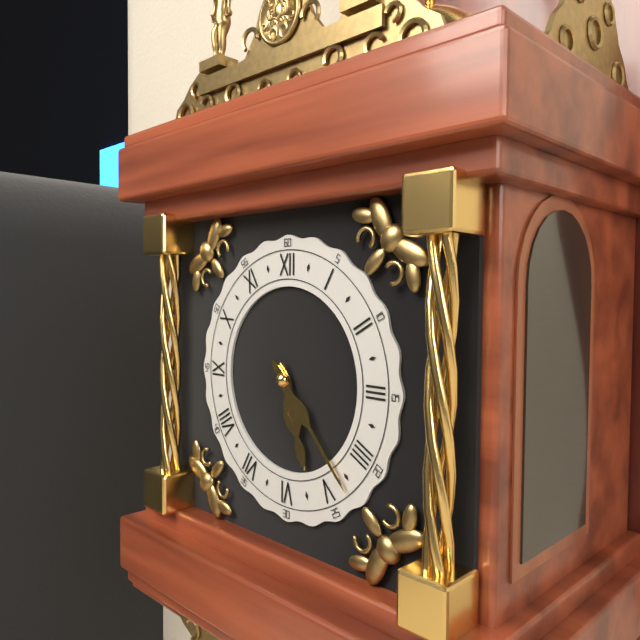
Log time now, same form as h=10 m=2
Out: h=5 m=23
